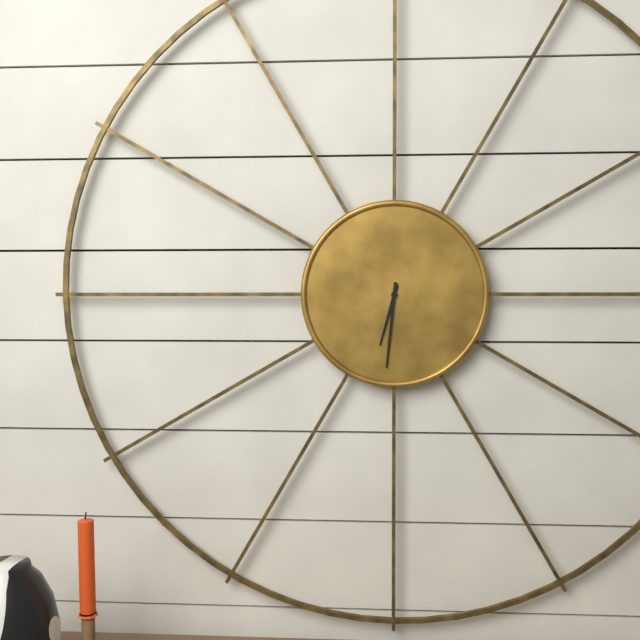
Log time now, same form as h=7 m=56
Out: h=6 m=31
